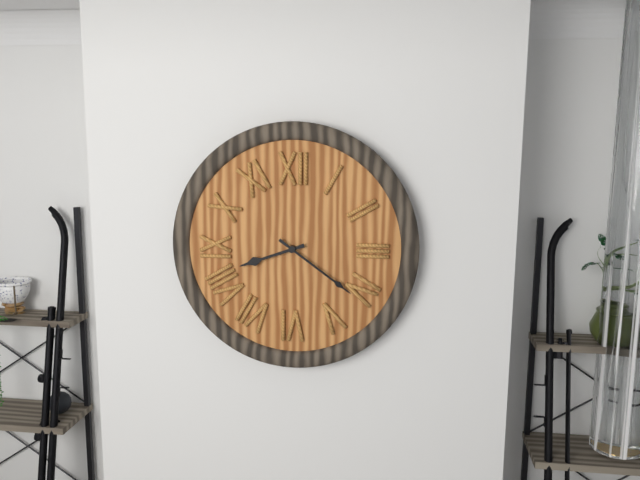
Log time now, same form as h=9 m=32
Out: h=8 m=21
